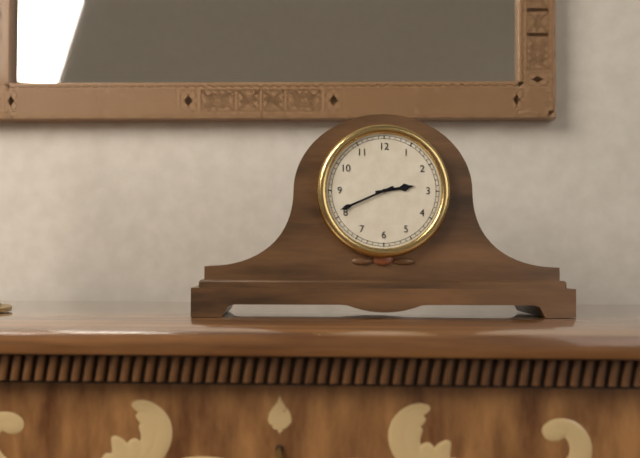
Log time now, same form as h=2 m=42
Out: h=2 m=41
